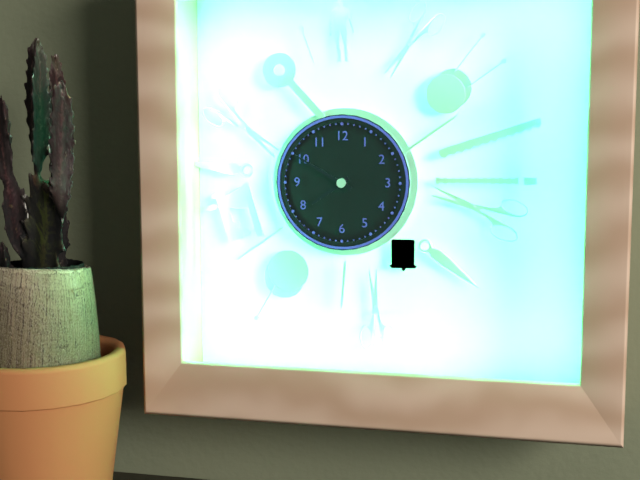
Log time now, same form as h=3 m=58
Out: h=7 m=50
